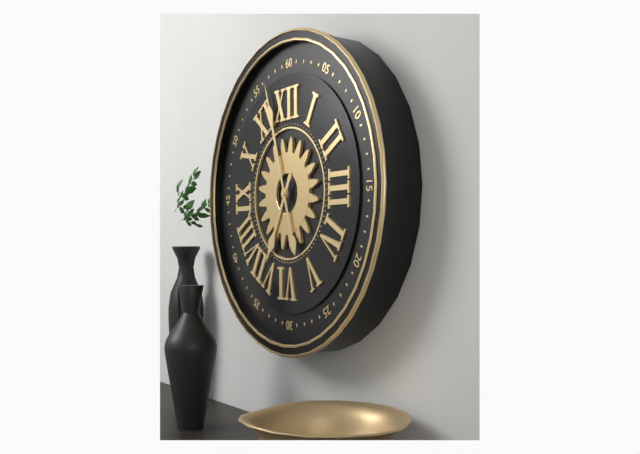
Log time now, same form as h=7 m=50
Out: h=6 m=57
